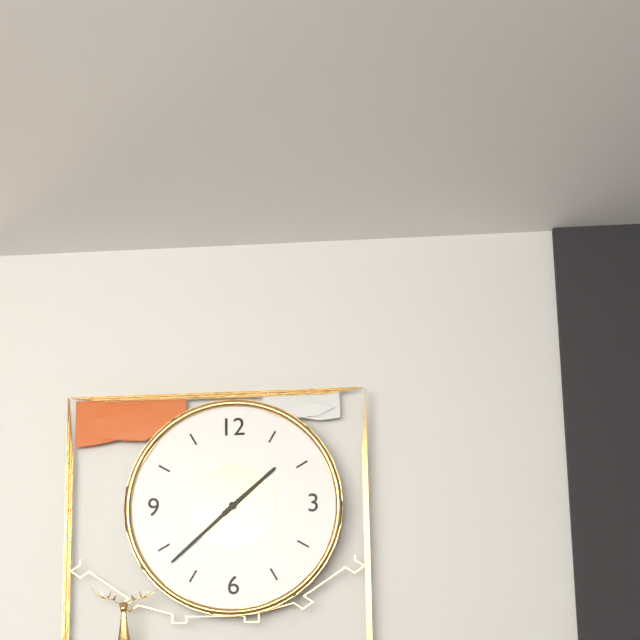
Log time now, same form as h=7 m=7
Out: h=1 m=38
